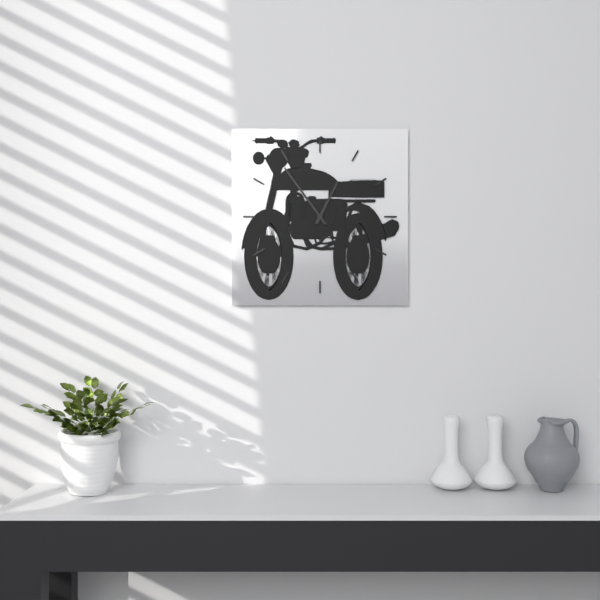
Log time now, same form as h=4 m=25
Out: h=12 m=54
